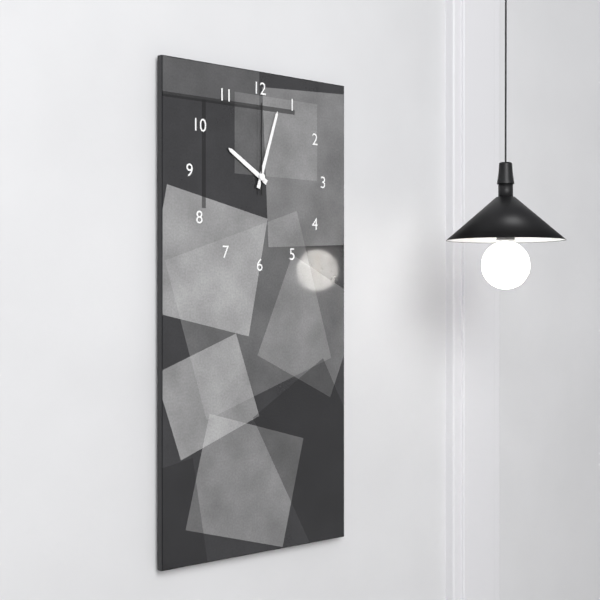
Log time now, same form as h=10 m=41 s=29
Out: h=10 m=3 s=0
